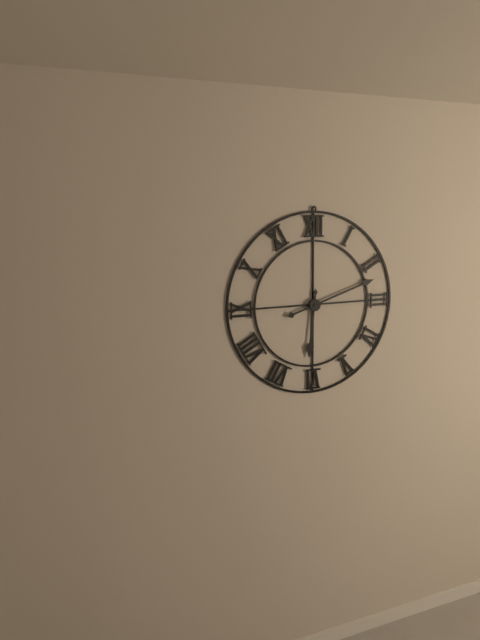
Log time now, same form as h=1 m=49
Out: h=6 m=12
